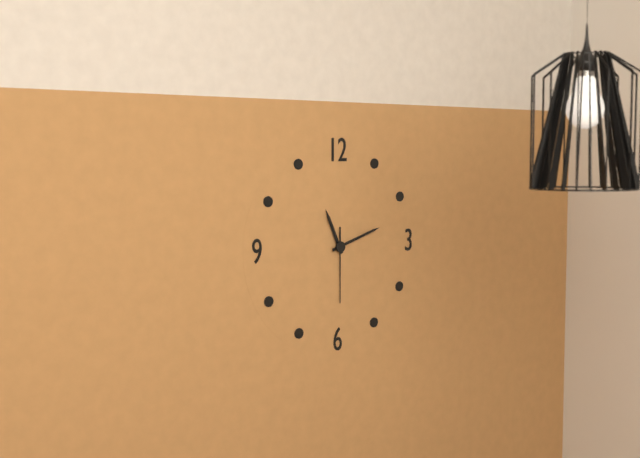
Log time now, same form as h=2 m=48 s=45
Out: h=11 m=12 s=30
